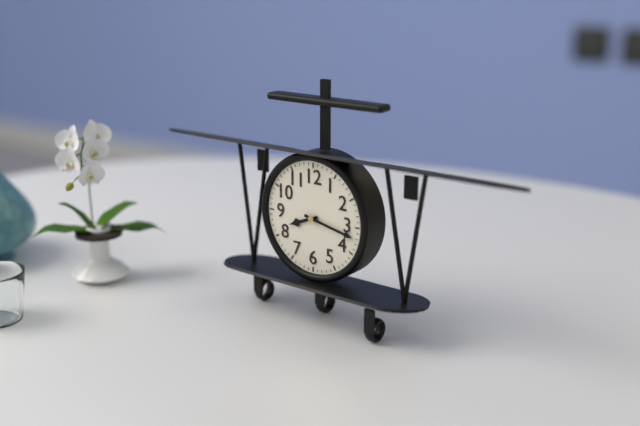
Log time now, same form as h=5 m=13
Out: h=8 m=17
